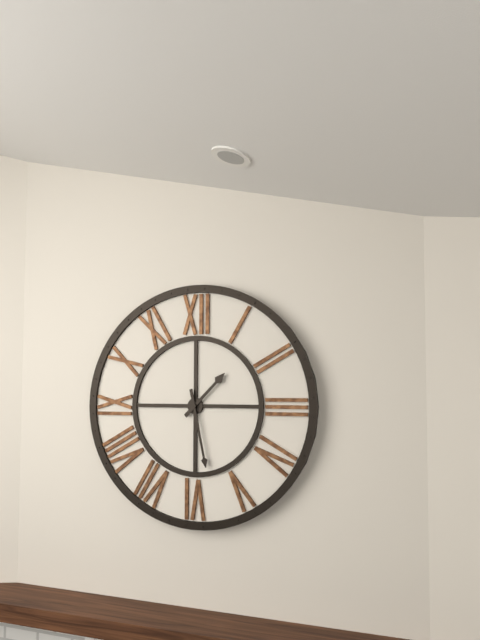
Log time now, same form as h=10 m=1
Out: h=1 m=28
